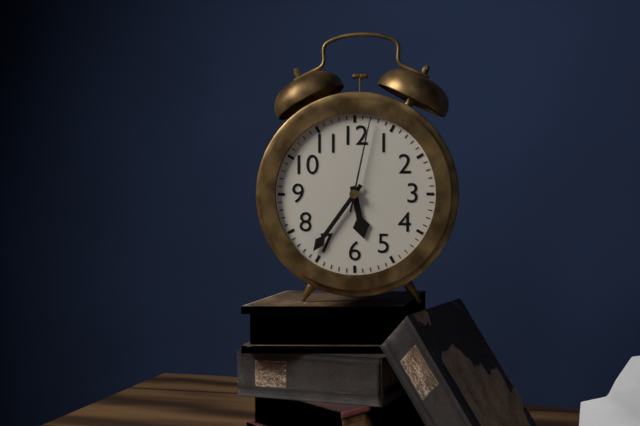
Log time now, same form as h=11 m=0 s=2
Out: h=5 m=36 s=2
